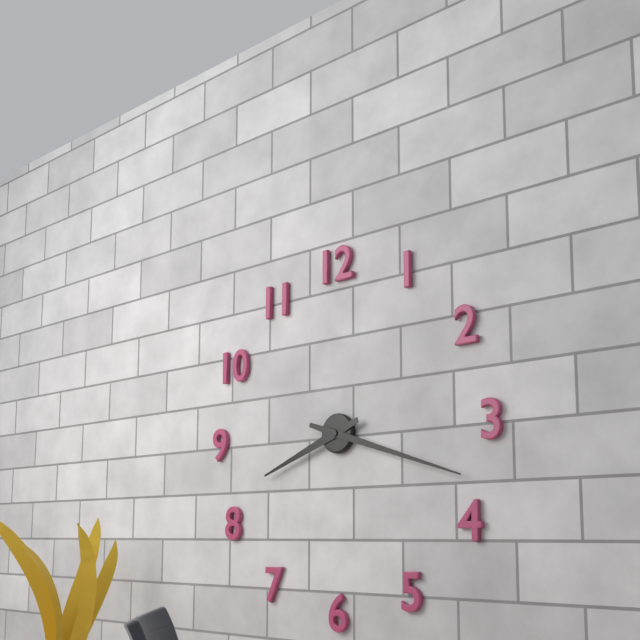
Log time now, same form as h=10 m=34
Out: h=8 m=18
